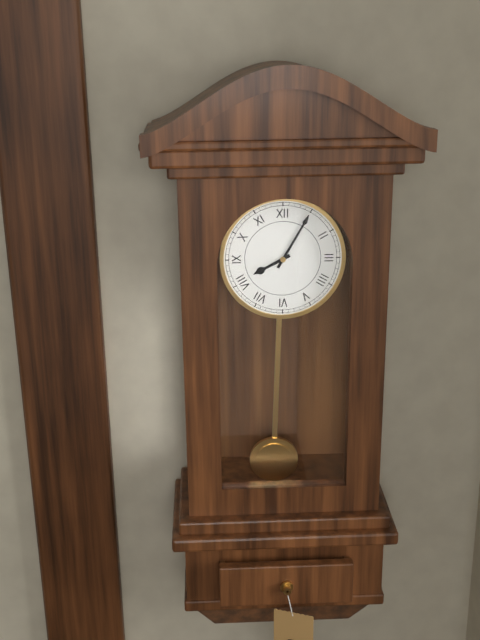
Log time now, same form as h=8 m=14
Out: h=8 m=5
